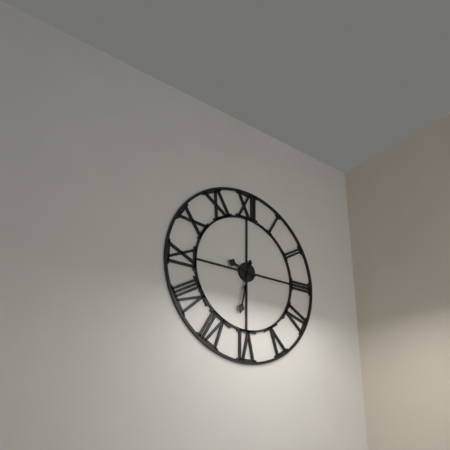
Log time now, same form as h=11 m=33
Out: h=9 m=32
